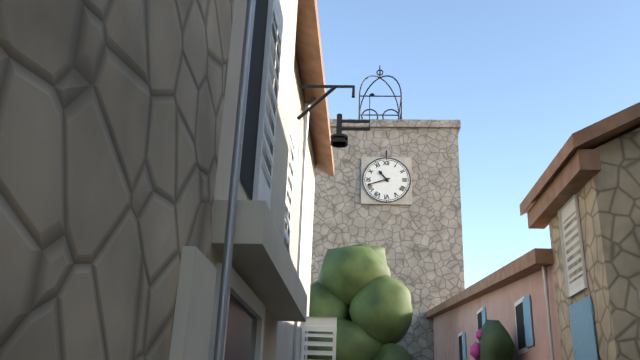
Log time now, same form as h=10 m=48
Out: h=10 m=42
